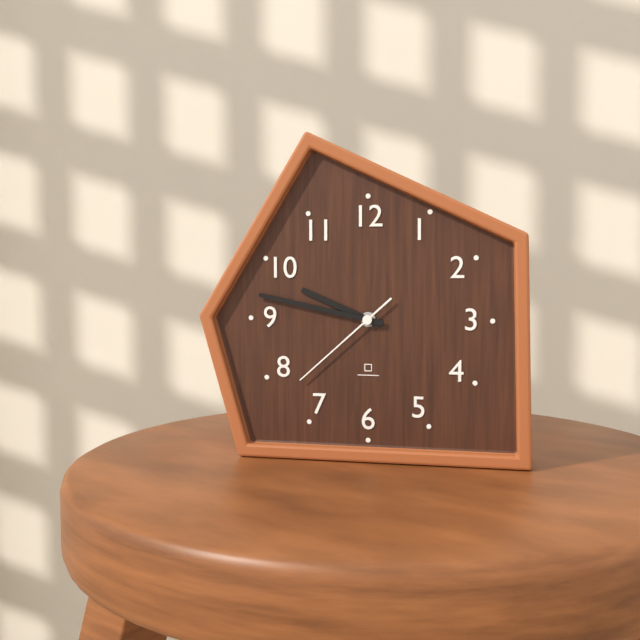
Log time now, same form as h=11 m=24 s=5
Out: h=9 m=47 s=38
